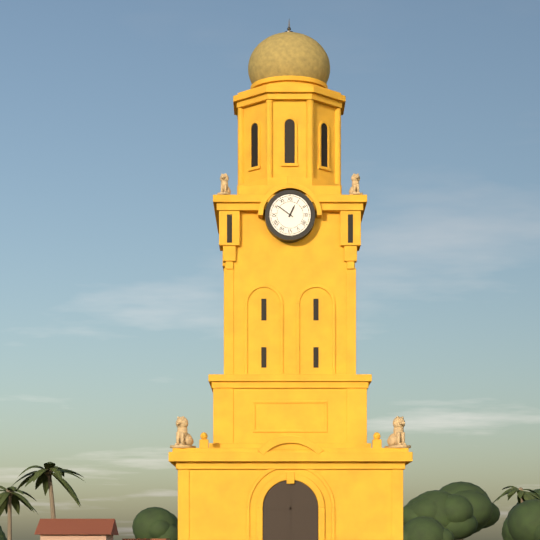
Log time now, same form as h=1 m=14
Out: h=12 m=51
